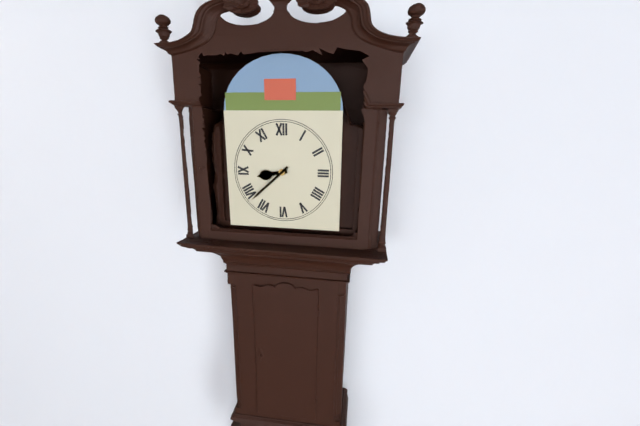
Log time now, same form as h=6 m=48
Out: h=8 m=38
